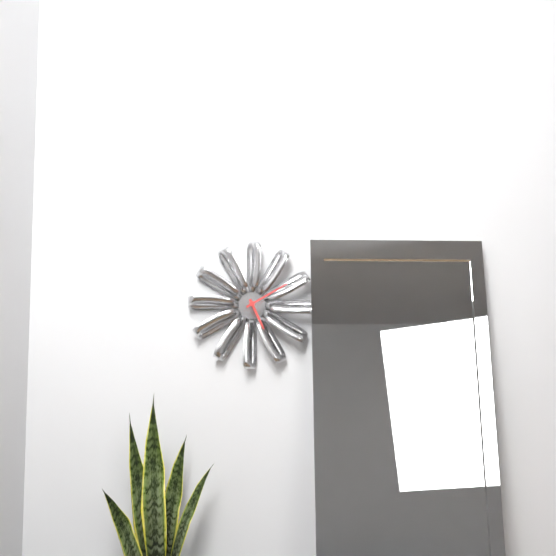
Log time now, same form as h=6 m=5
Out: h=5 m=10
